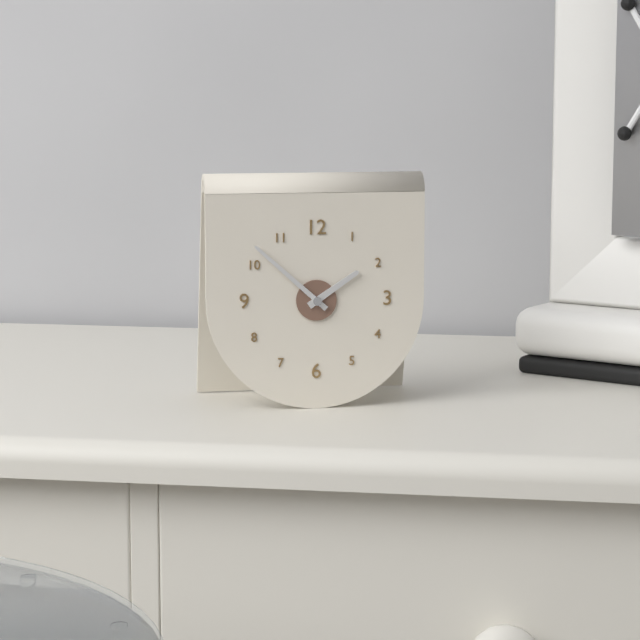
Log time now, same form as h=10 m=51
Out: h=1 m=52
